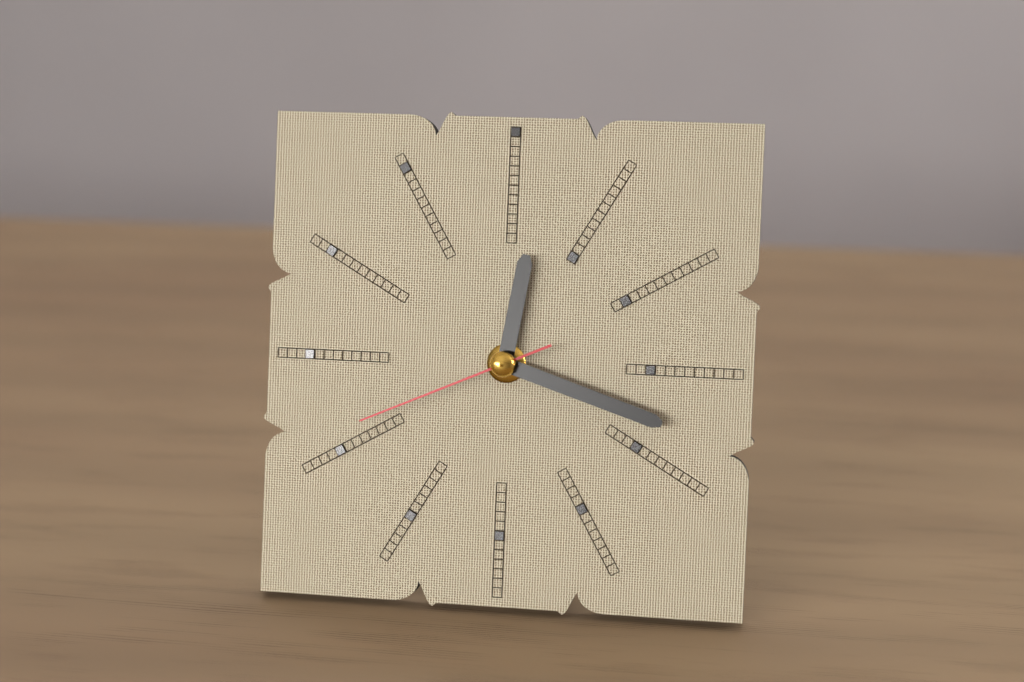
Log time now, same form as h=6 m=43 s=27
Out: h=12 m=18 s=41
